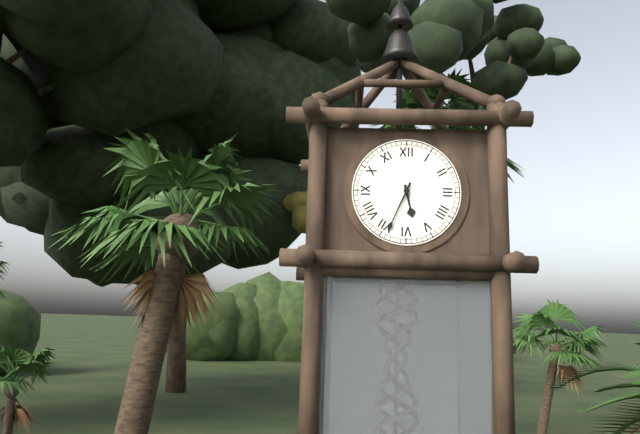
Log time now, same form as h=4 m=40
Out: h=5 m=34
